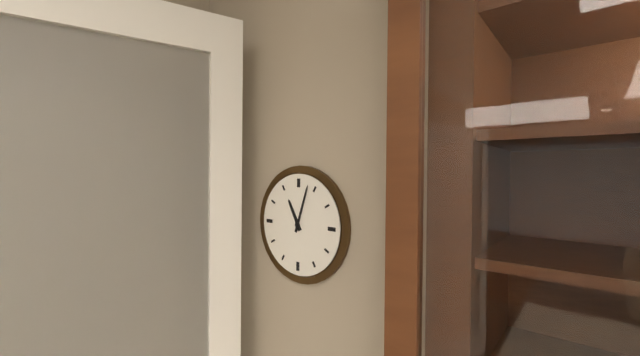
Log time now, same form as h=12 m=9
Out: h=11 m=3
